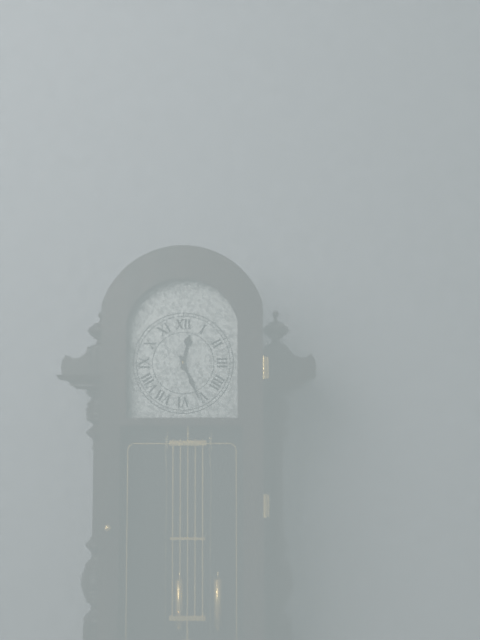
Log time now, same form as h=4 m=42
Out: h=12 m=26
